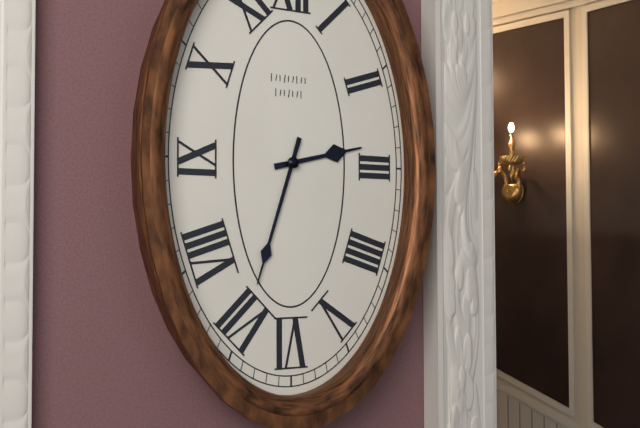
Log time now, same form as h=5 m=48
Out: h=2 m=33
